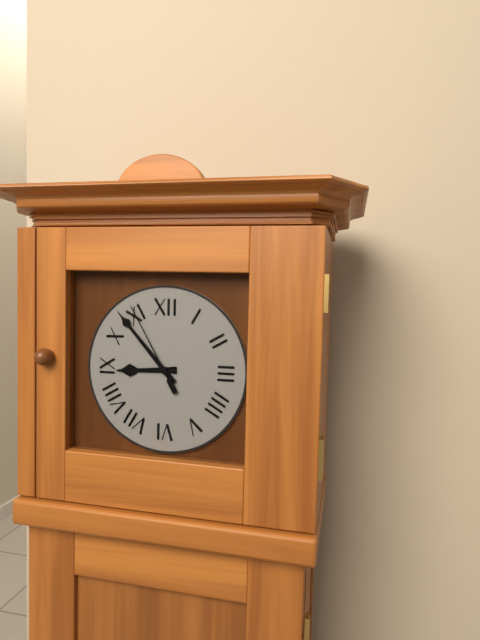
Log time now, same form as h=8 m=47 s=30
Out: h=8 m=53 s=55
